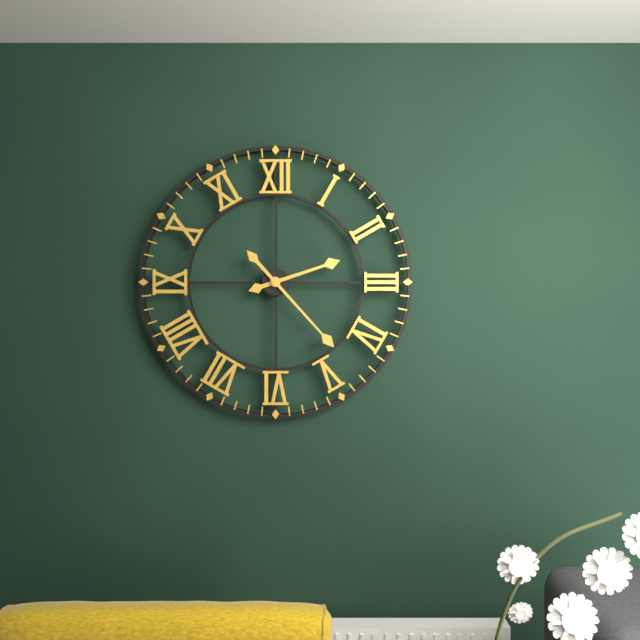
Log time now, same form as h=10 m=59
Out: h=2 m=23
